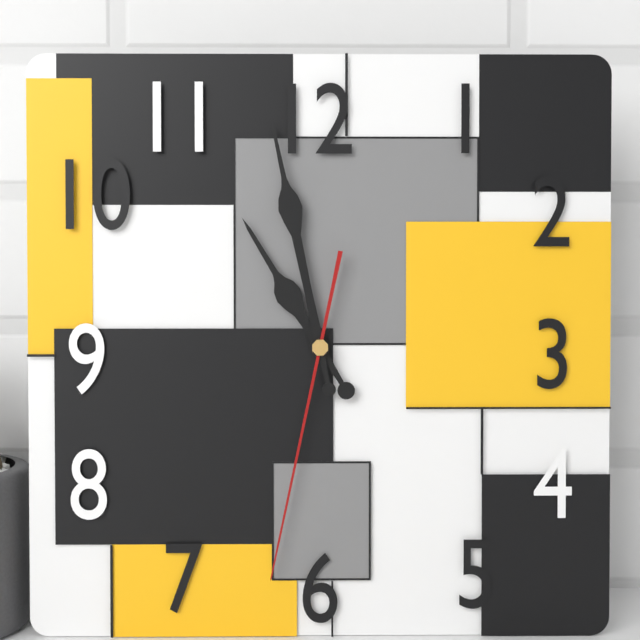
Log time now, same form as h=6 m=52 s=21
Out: h=10 m=58 s=32
